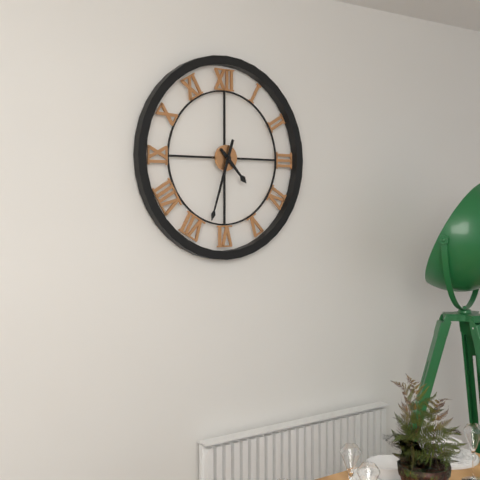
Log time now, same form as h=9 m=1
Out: h=4 m=33
